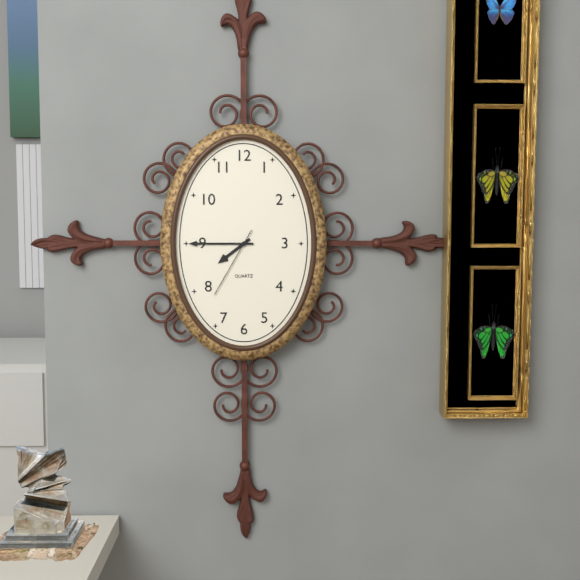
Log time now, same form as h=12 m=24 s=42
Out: h=7 m=45 s=35
